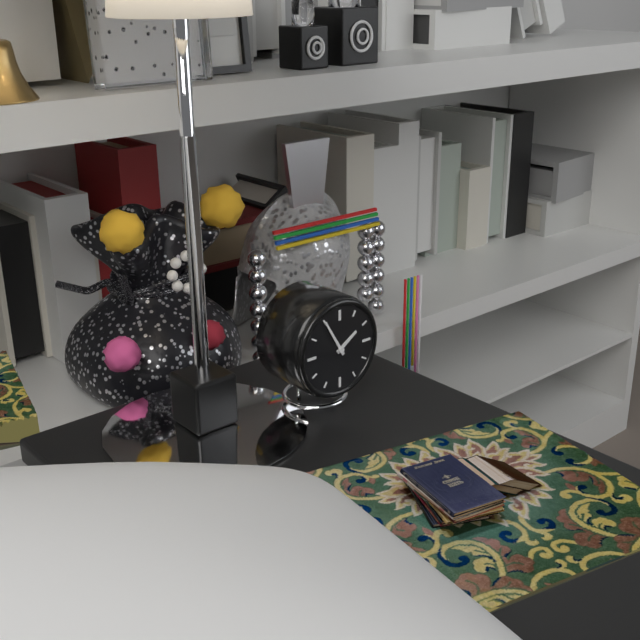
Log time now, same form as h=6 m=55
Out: h=1 m=55
